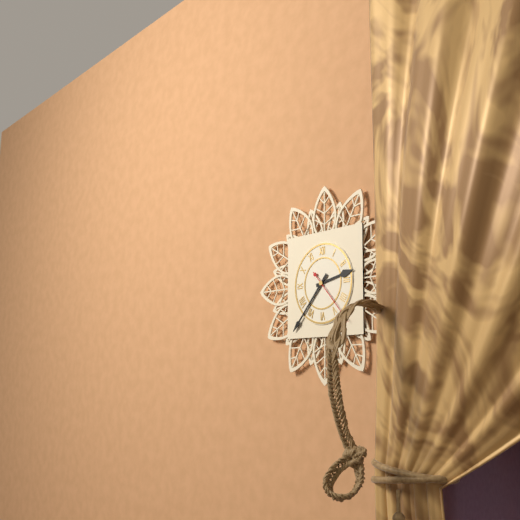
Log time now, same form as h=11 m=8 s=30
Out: h=2 m=37 s=23
